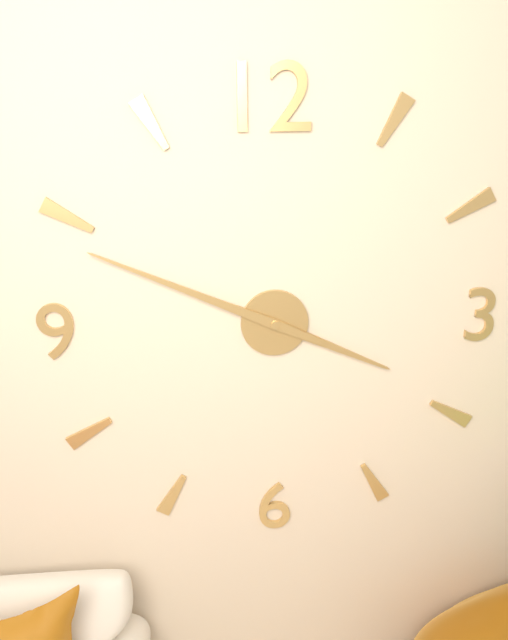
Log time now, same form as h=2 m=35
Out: h=3 m=49
